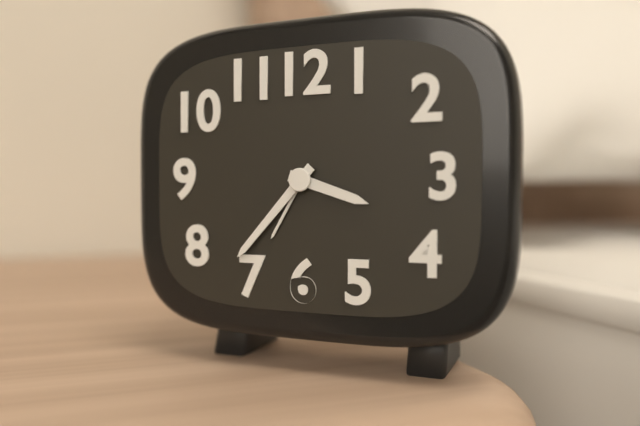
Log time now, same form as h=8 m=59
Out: h=3 m=37
